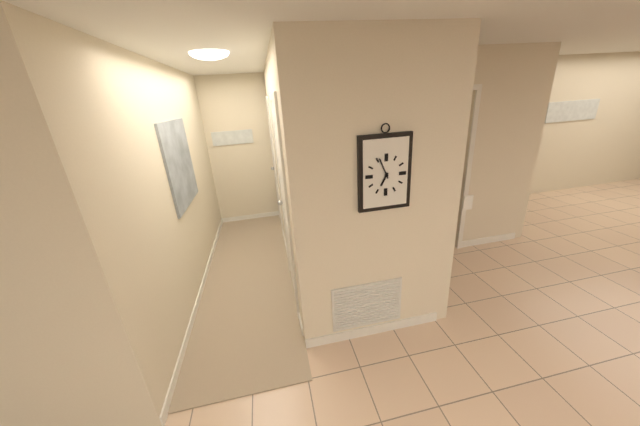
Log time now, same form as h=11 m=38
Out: h=6 m=56
